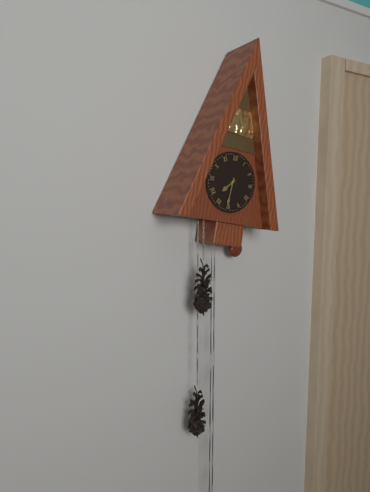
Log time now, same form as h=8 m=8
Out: h=7 m=31
